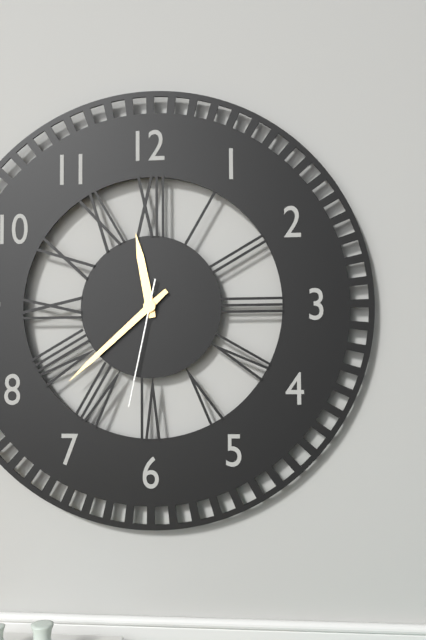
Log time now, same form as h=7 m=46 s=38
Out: h=11 m=38 s=32
